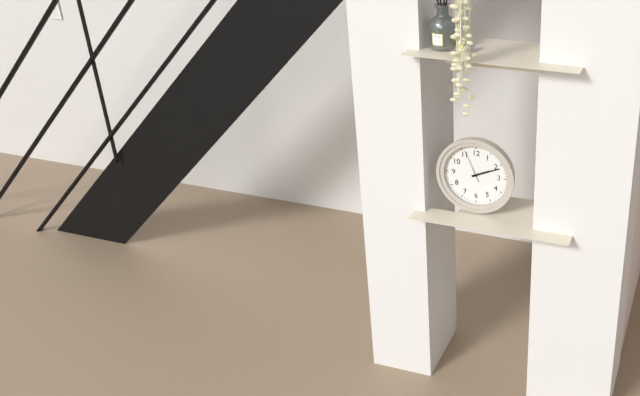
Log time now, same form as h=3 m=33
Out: h=2 m=11
